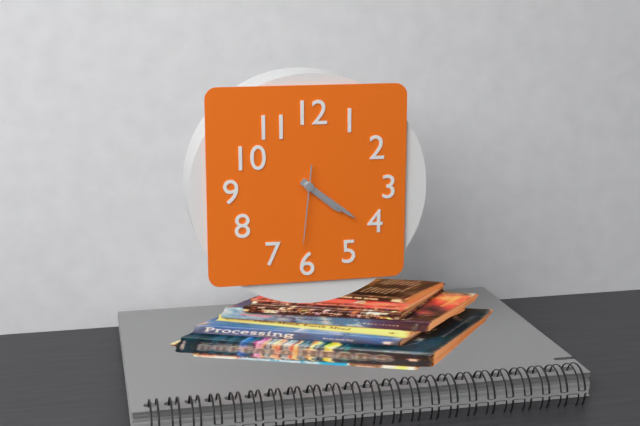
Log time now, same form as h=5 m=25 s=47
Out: h=4 m=21 s=31
